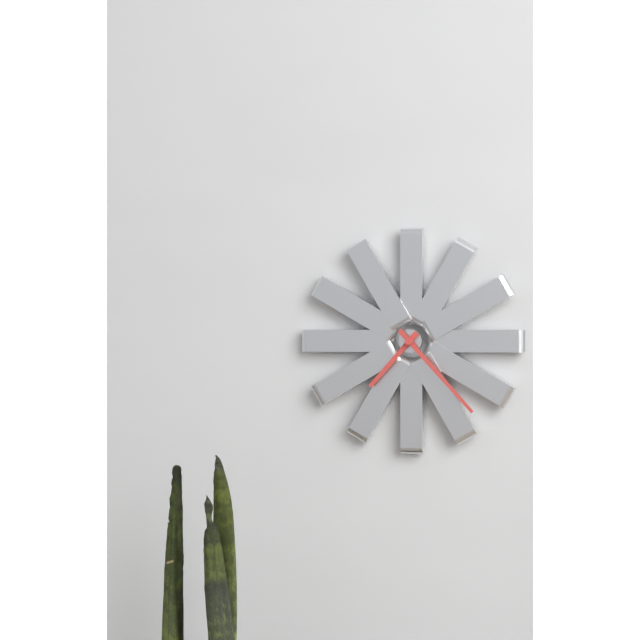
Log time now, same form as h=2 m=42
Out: h=7 m=23
